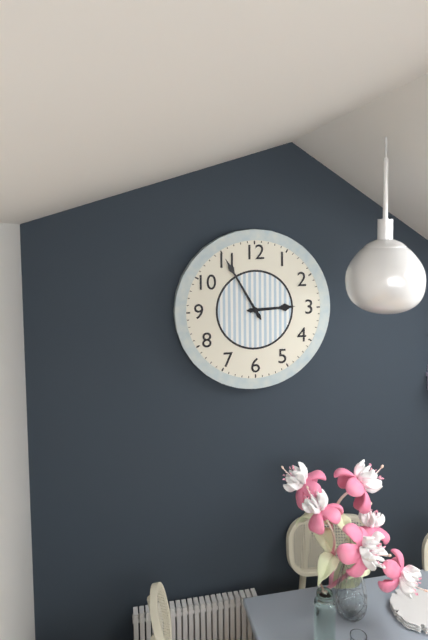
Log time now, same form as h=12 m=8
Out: h=2 m=55
